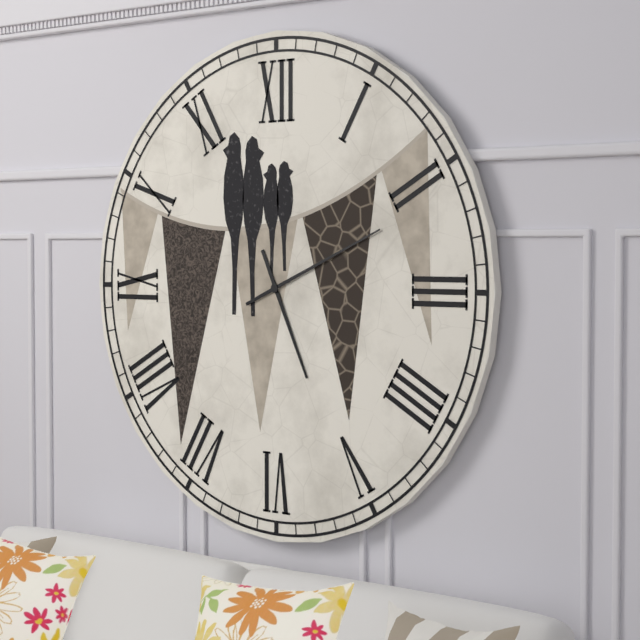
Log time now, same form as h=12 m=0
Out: h=5 m=11
